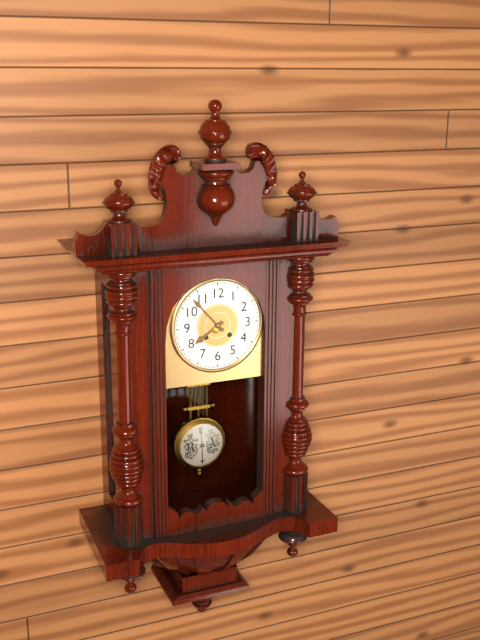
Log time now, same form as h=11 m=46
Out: h=7 m=53
